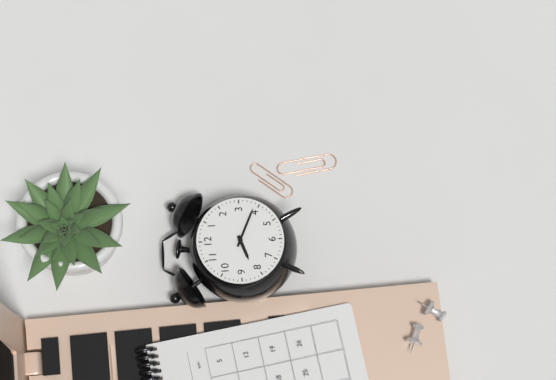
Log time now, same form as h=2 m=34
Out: h=8 m=19
